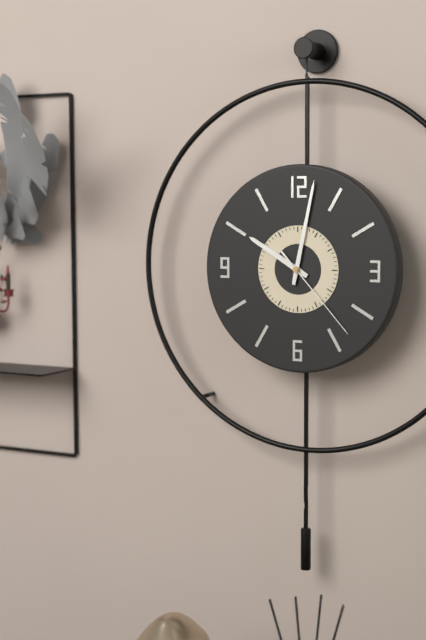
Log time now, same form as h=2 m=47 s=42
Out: h=10 m=2 s=23
